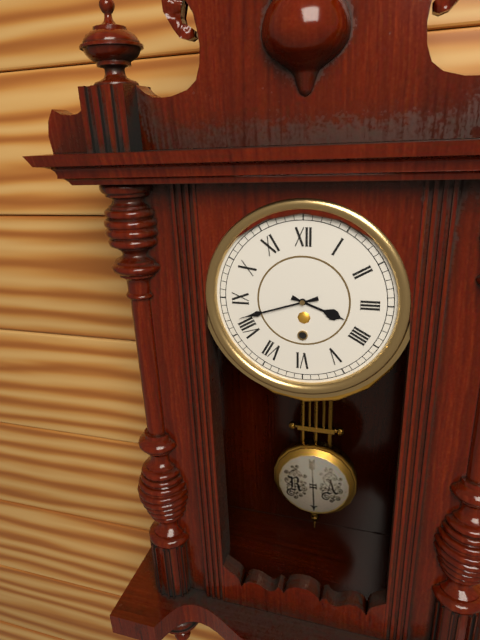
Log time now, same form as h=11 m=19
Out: h=3 m=42
